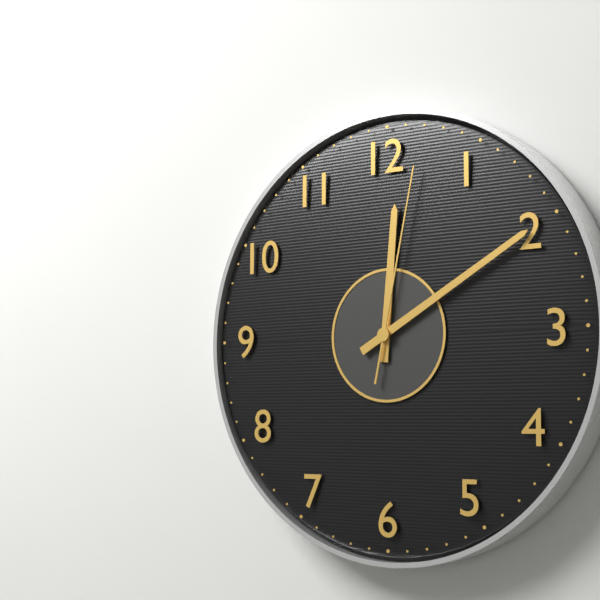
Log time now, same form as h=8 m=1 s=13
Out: h=12 m=10 s=2
